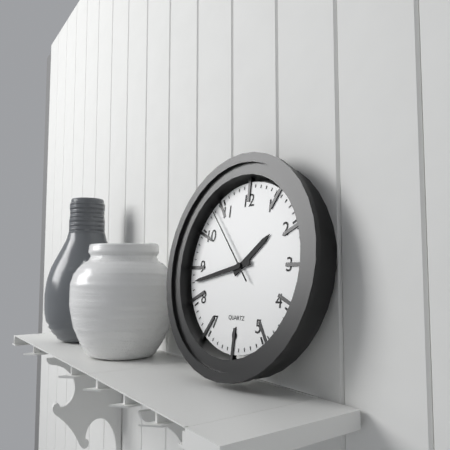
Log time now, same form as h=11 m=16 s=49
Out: h=1 m=43 s=53
